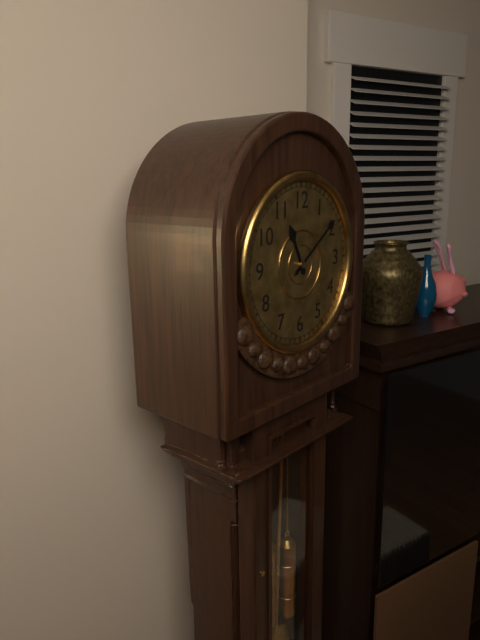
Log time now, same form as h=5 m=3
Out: h=11 m=9
